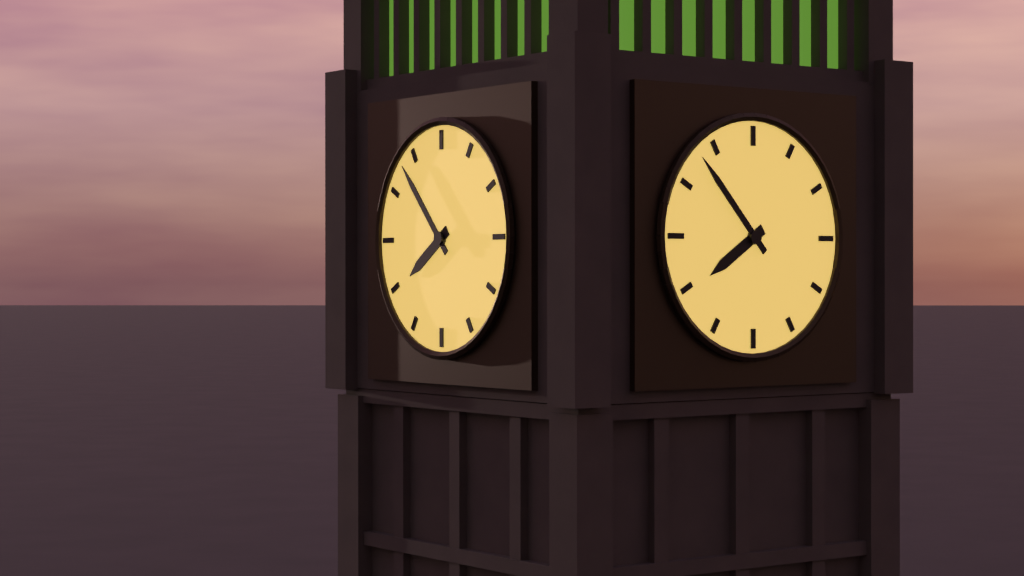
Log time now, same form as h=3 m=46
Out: h=7 m=53
